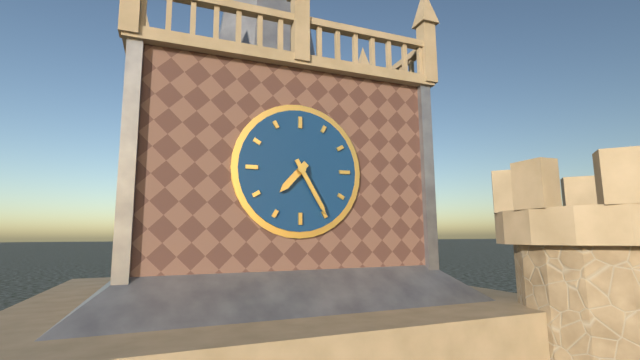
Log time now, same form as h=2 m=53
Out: h=7 m=25
